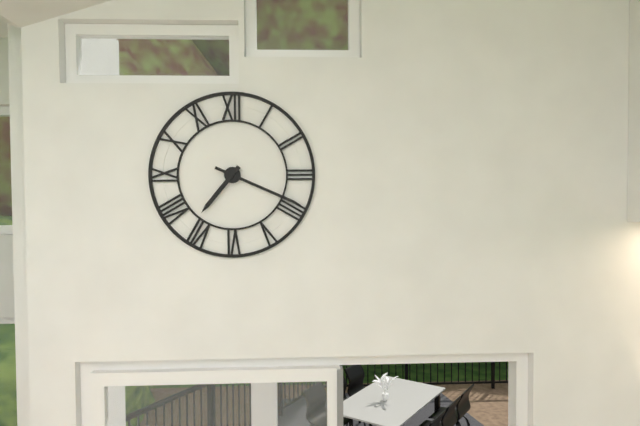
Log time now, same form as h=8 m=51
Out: h=7 m=19
